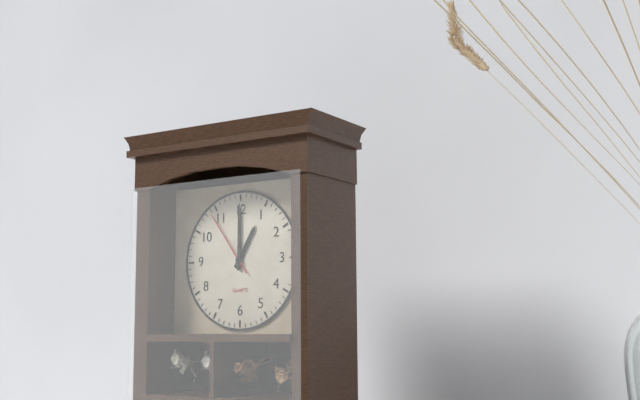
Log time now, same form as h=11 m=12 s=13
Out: h=1 m=0 s=54
